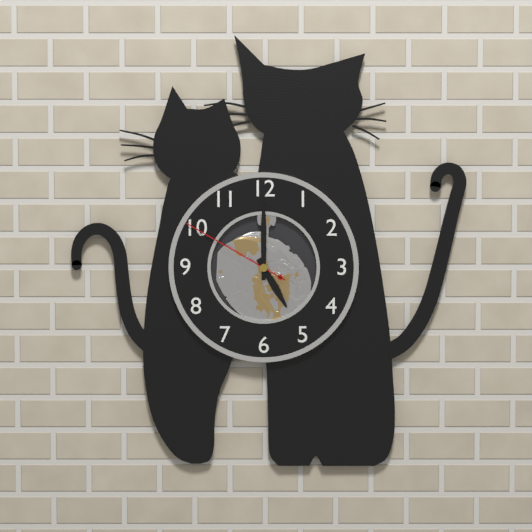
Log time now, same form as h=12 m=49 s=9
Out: h=5 m=0 s=50
